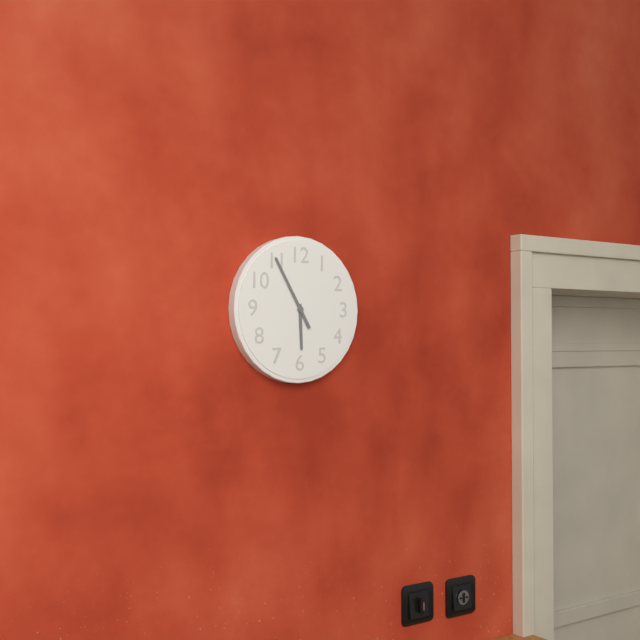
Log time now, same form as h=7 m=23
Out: h=5 m=55
